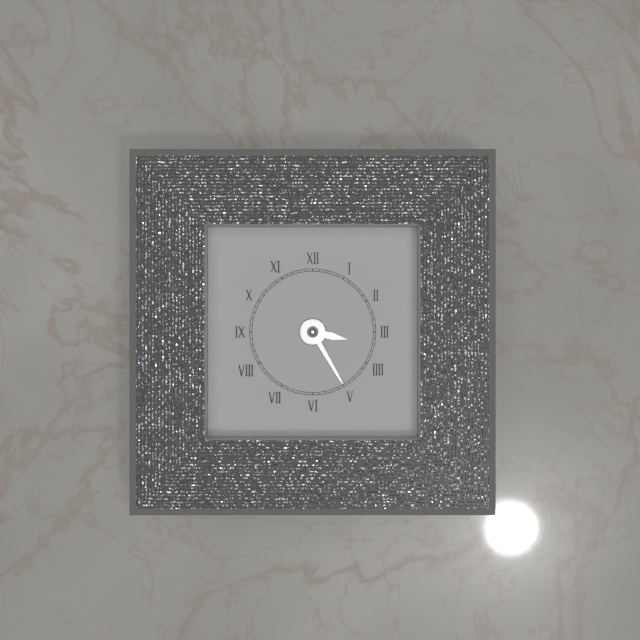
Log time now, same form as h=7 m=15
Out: h=3 m=25
